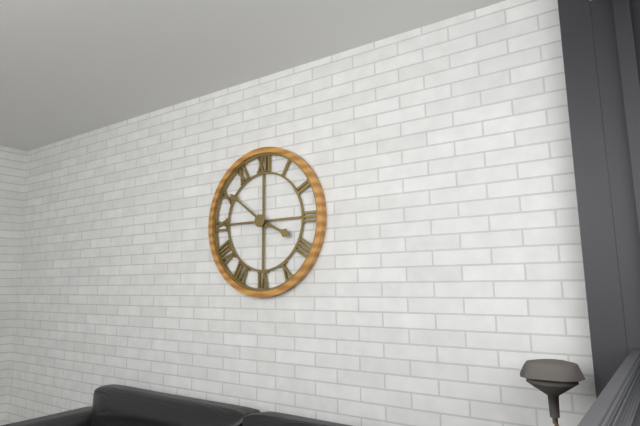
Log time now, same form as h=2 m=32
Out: h=3 m=51
